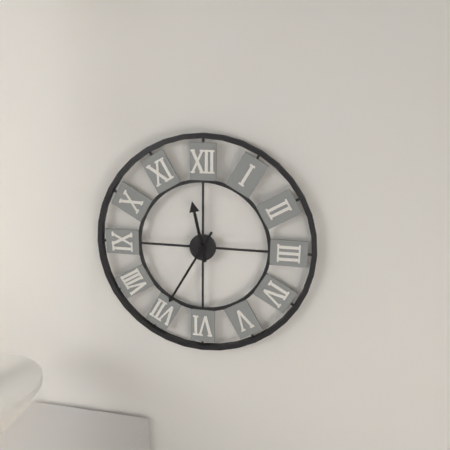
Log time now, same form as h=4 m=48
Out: h=11 m=35
